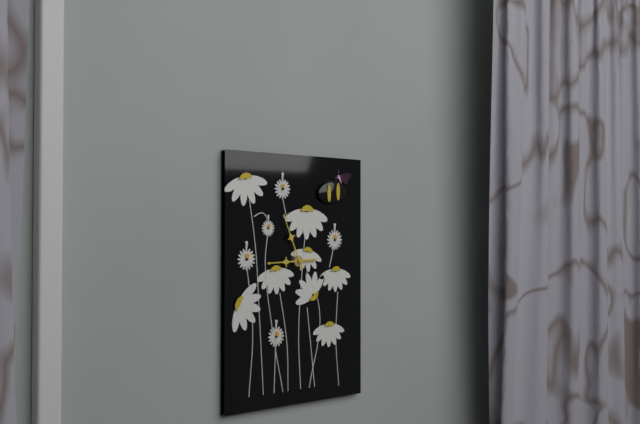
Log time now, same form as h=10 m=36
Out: h=8 m=56
